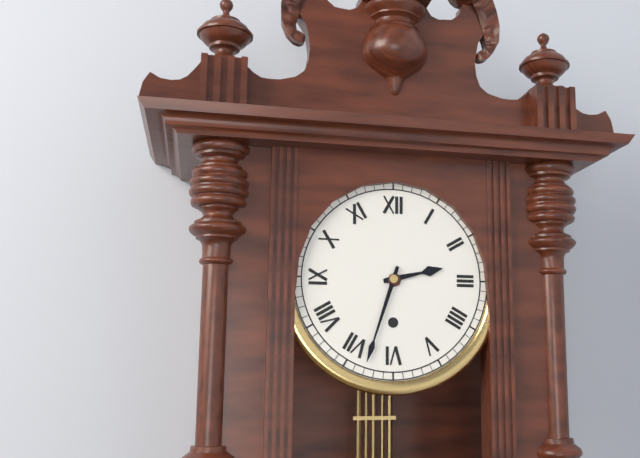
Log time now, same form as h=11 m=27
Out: h=2 m=33
